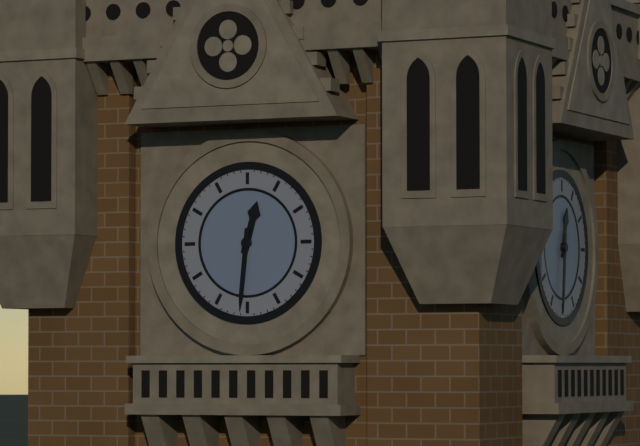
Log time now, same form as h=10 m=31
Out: h=12 m=31
